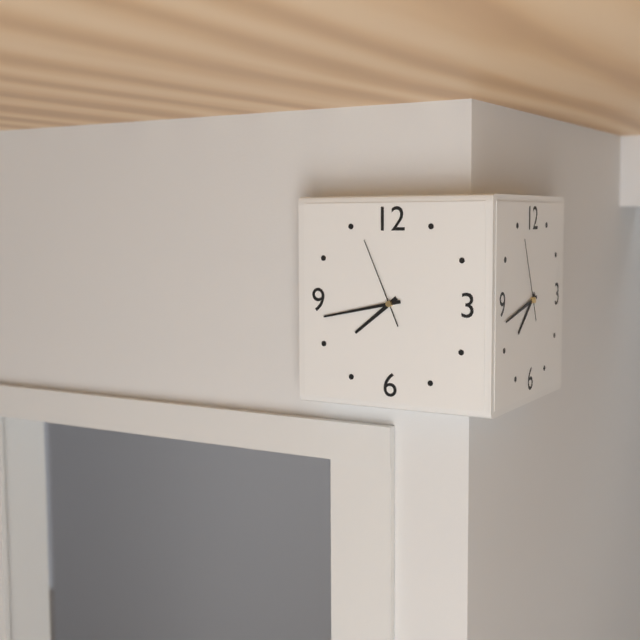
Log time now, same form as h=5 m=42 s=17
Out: h=7 m=43 s=56
